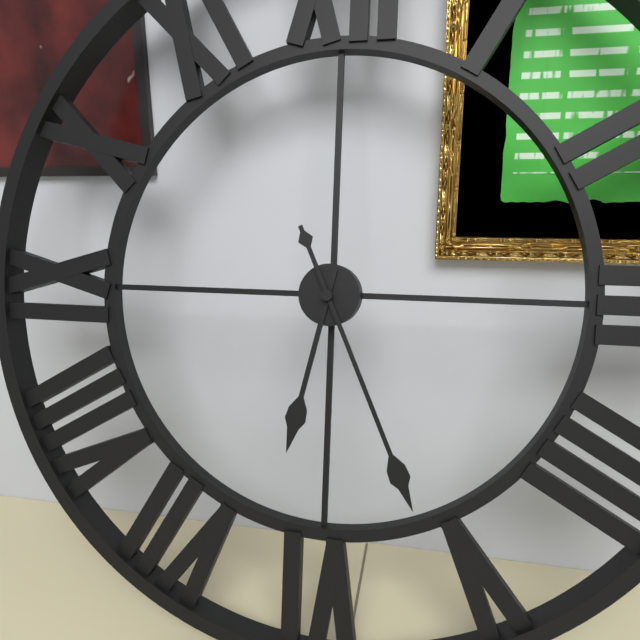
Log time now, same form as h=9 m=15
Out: h=6 m=26
